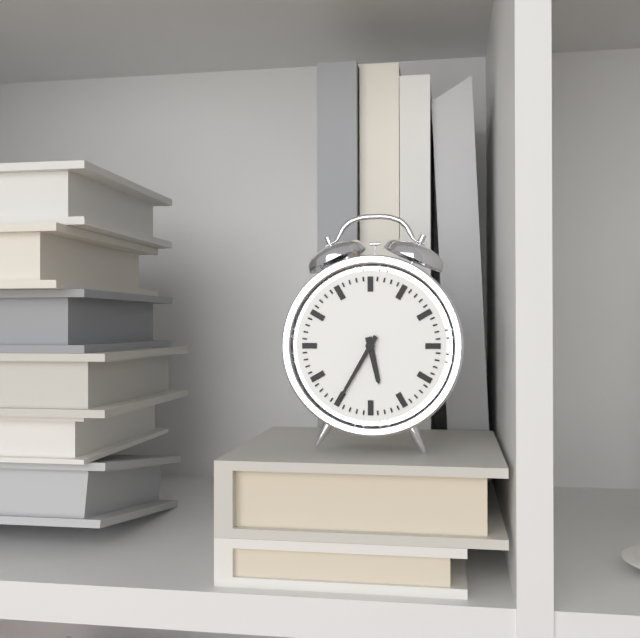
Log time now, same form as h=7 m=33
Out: h=5 m=35
